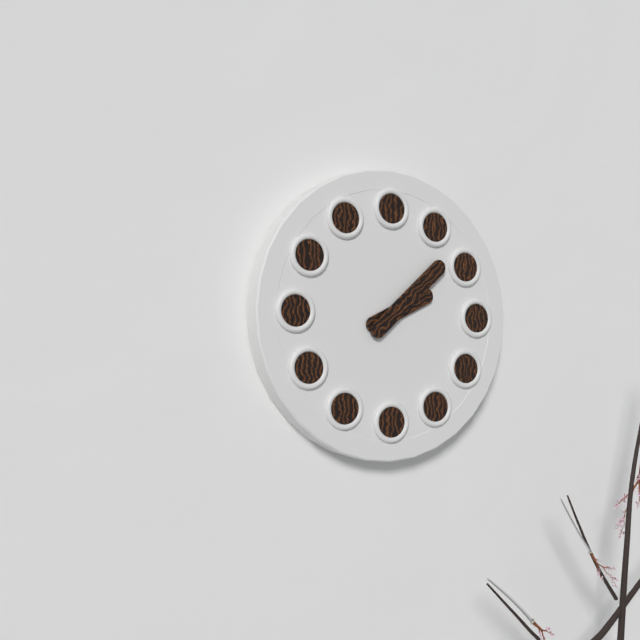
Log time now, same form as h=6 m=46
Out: h=2 m=8
